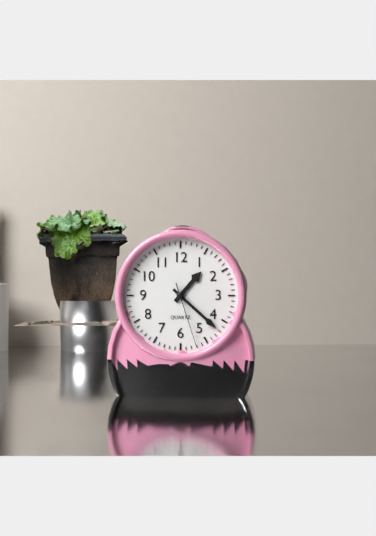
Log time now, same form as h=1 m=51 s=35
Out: h=1 m=22 s=27
